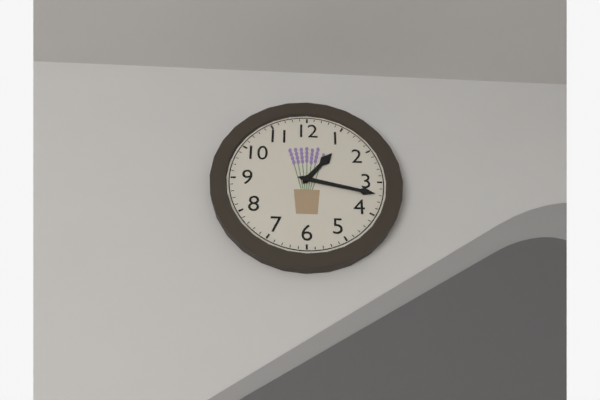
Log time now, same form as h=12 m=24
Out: h=1 m=17
